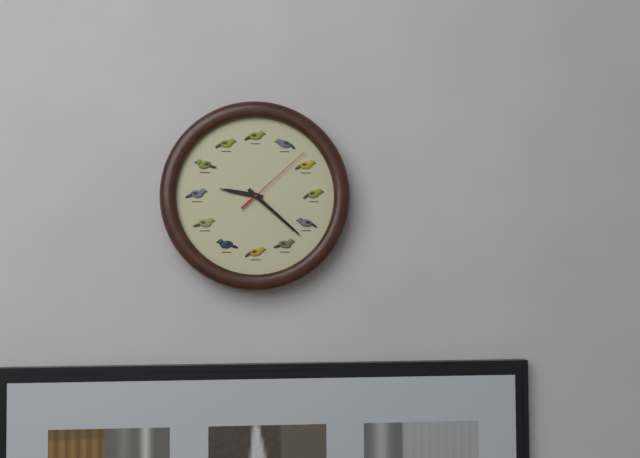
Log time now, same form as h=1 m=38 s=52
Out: h=9 m=22 s=8
